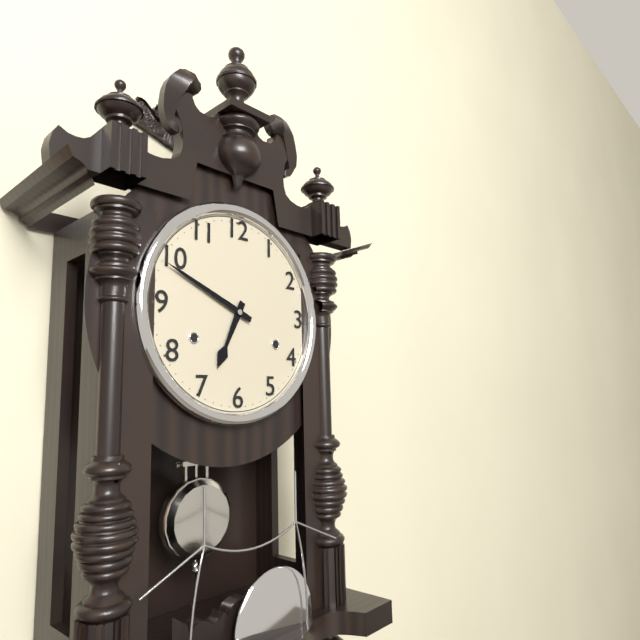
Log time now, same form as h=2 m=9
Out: h=6 m=49
